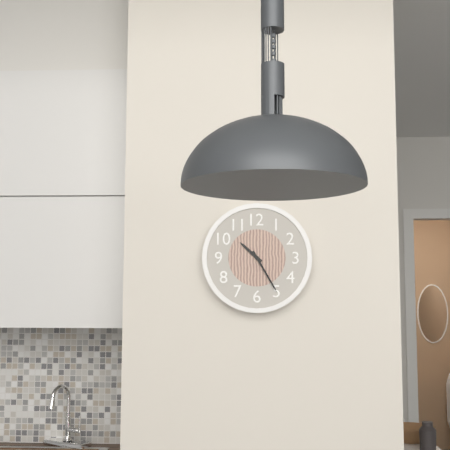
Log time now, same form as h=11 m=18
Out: h=10 m=25
